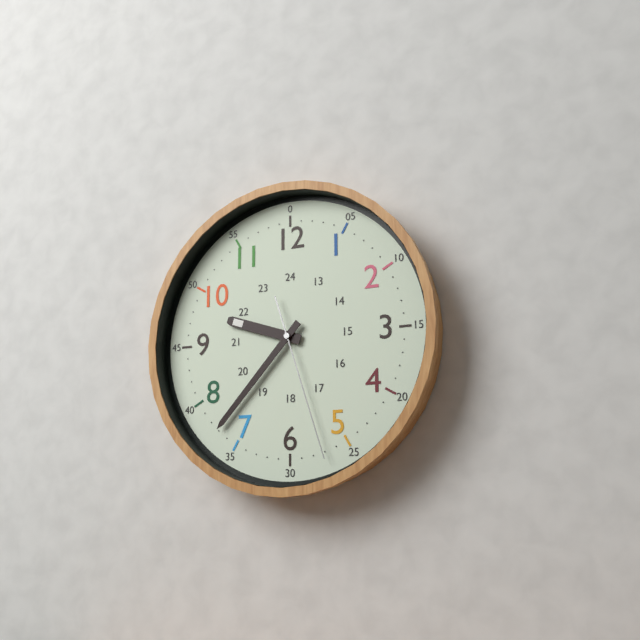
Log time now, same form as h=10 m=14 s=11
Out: h=9 m=37 s=27
